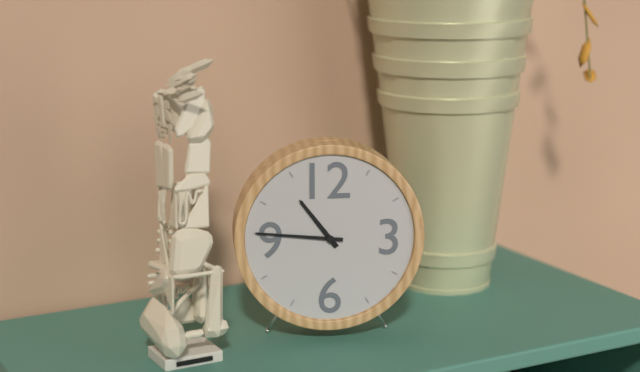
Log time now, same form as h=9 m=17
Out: h=10 m=46
